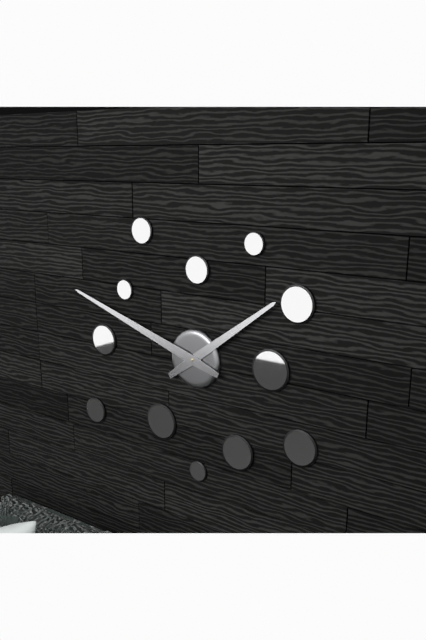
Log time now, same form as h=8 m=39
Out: h=1 m=48
